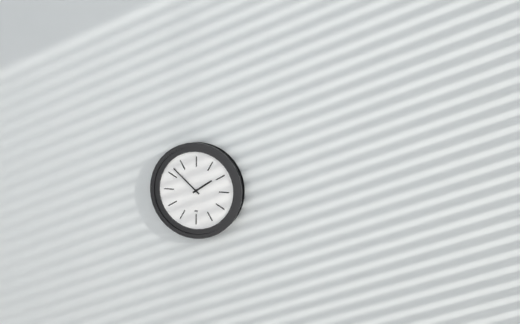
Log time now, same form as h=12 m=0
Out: h=1 m=52
